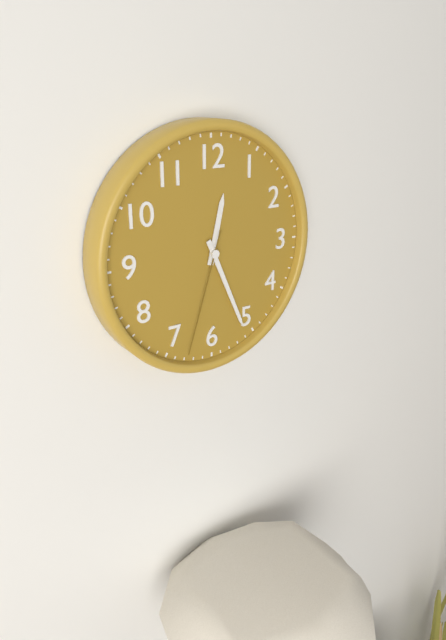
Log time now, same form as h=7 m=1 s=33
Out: h=12 m=26 s=33
